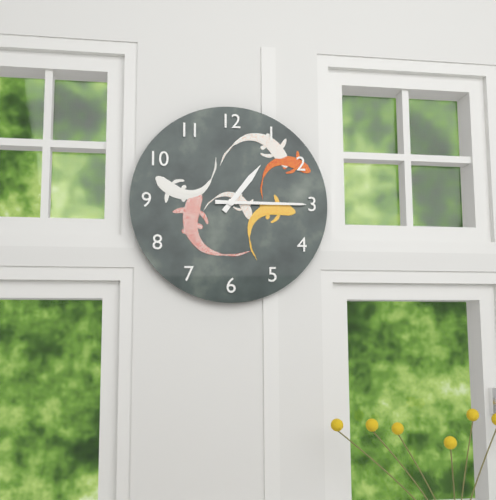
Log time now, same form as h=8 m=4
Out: h=1 m=15
